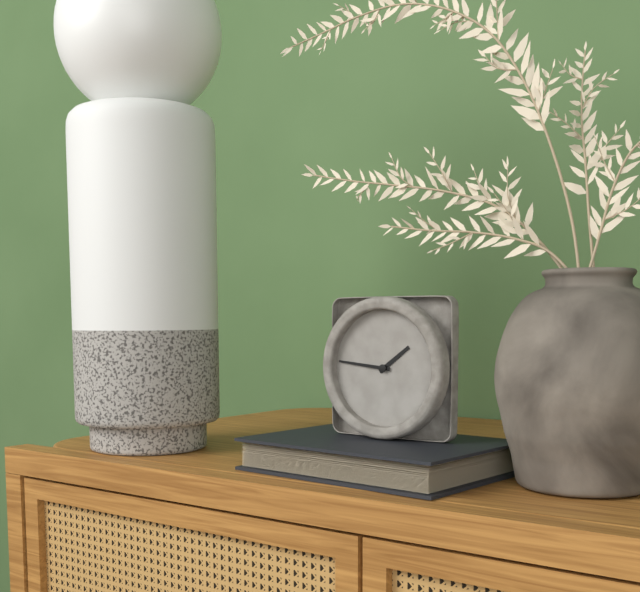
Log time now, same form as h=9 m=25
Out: h=1 m=46
